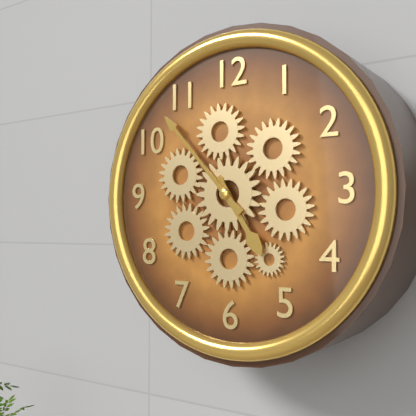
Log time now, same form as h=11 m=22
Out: h=4 m=53
